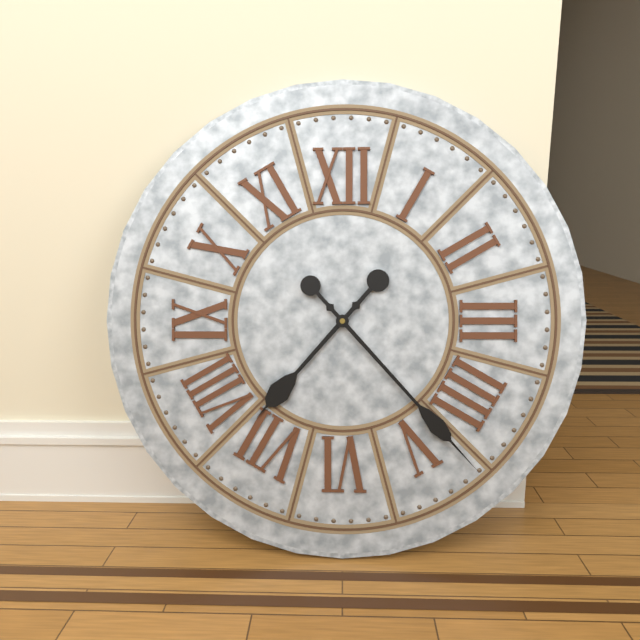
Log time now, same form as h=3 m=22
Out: h=7 m=23
